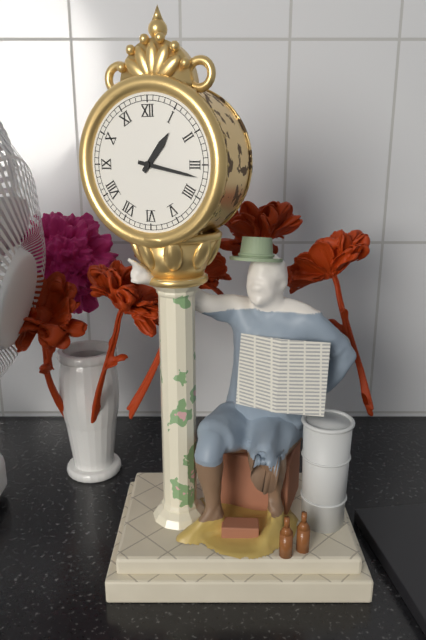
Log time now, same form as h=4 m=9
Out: h=1 m=17
